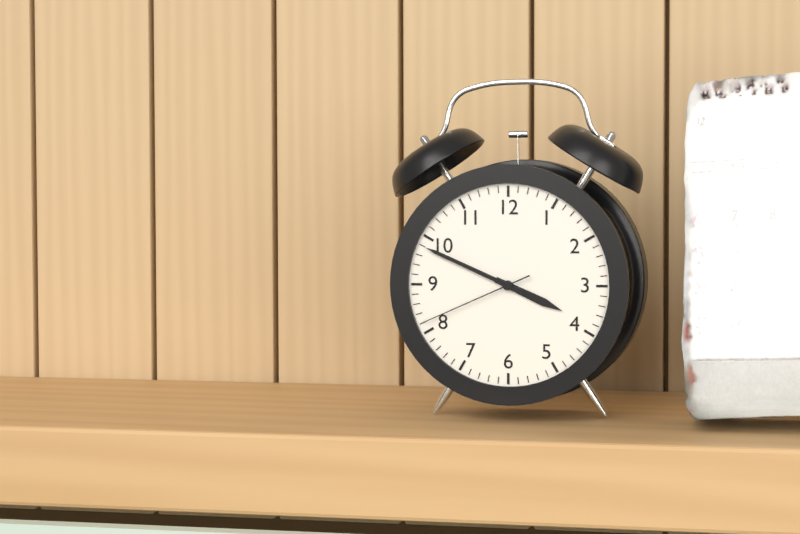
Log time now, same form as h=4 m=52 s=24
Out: h=3 m=49 s=41
